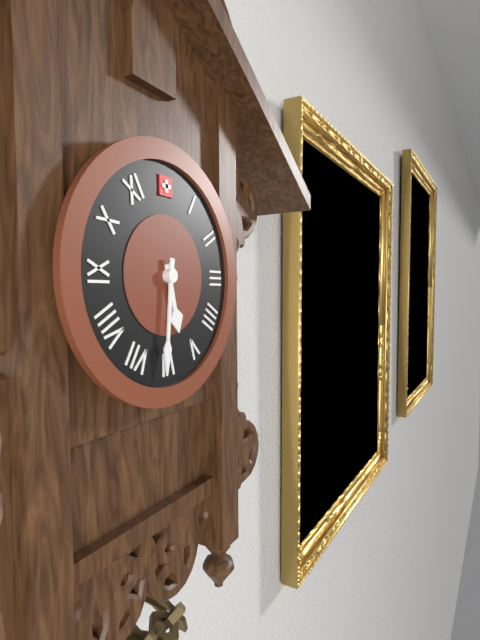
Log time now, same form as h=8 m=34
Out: h=5 m=31
